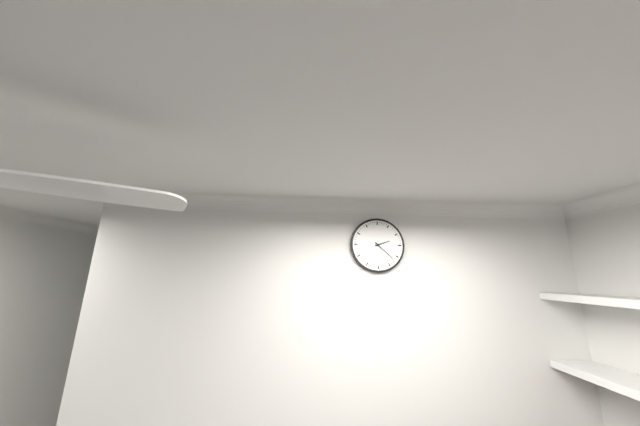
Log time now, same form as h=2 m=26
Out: h=2 m=22
